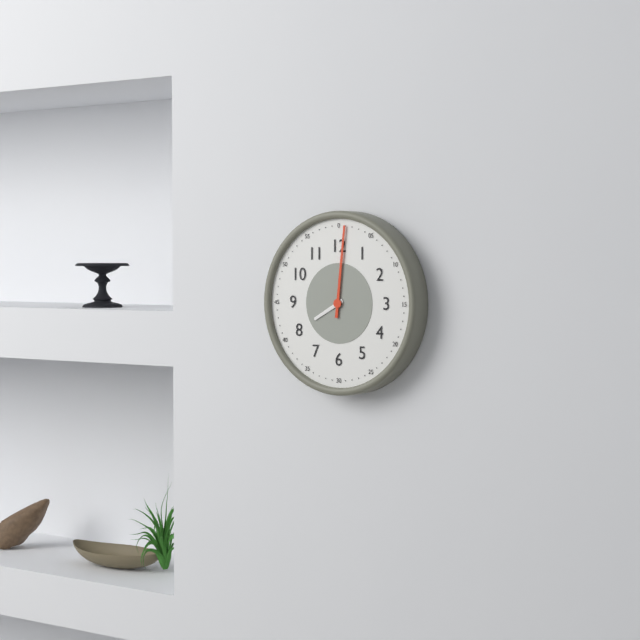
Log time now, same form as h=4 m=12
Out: h=8 m=1
